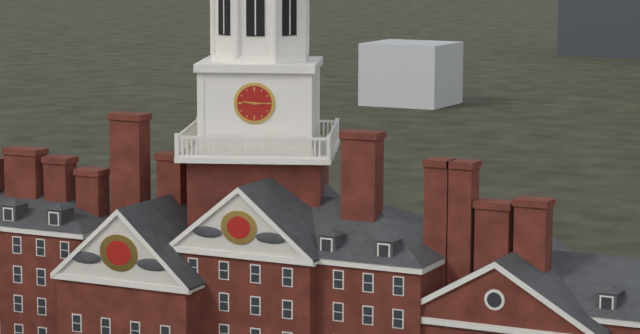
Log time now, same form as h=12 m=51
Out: h=9 m=15
